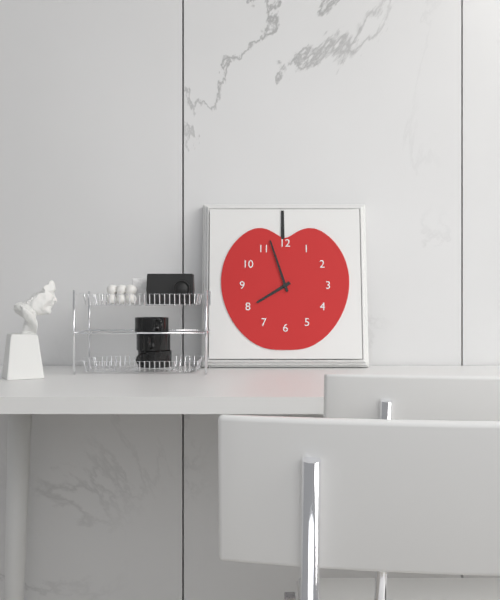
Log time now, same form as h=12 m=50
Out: h=7 m=57
